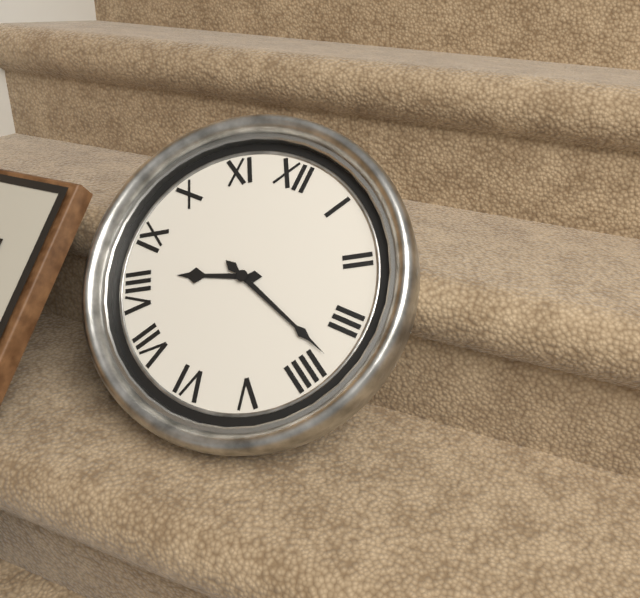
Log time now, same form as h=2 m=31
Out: h=8 m=18
